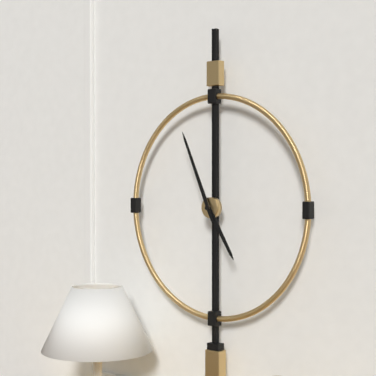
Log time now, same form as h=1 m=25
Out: h=4 m=56
